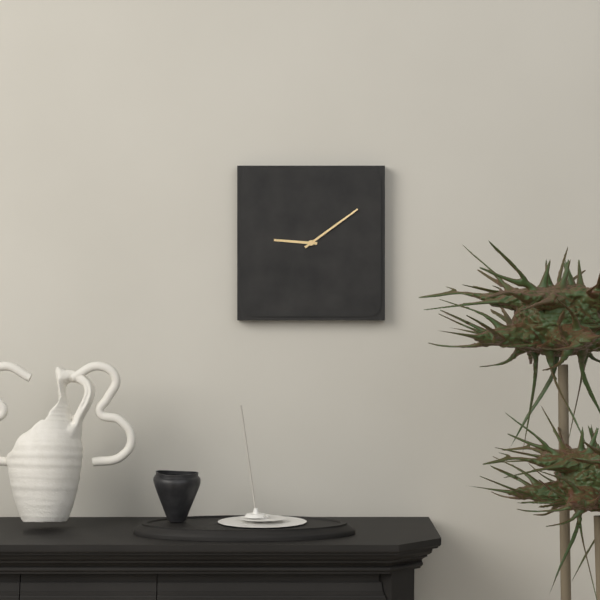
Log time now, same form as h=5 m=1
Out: h=9 m=9
